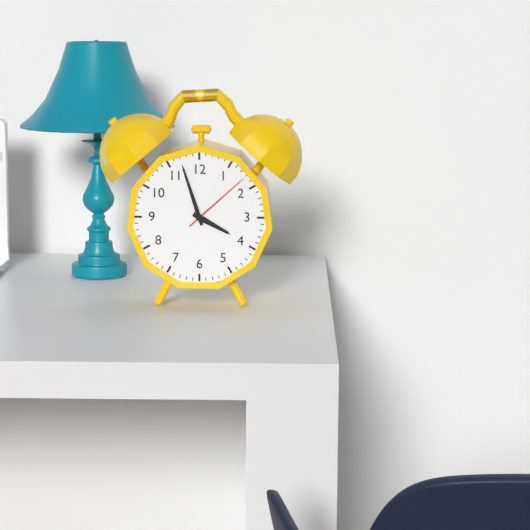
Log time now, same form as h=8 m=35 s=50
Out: h=3 m=57 s=8
